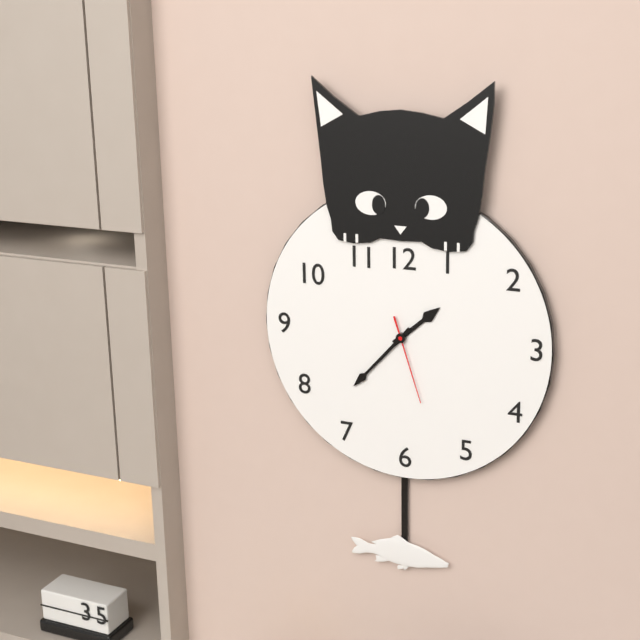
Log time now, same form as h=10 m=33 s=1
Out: h=1 m=37 s=27
